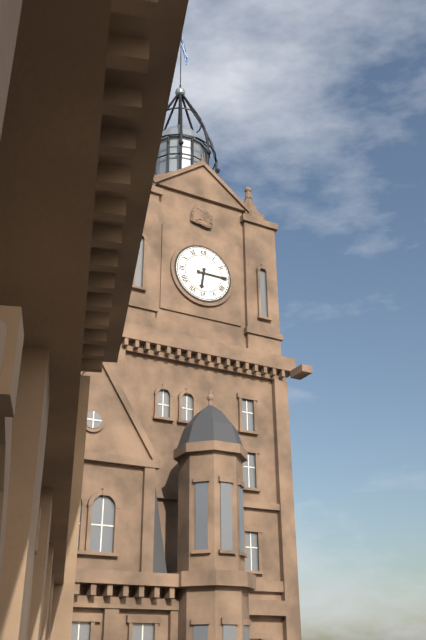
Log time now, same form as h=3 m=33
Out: h=6 m=15
